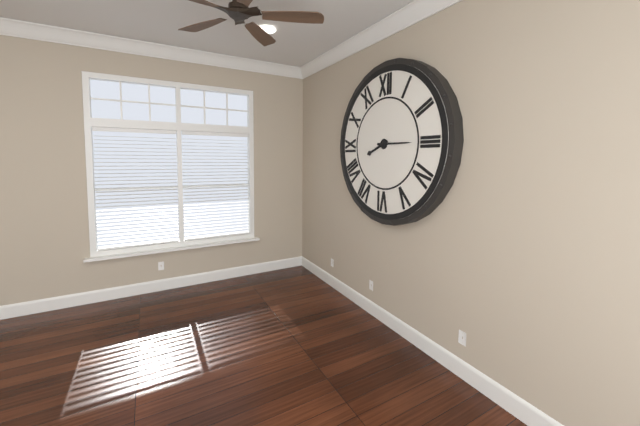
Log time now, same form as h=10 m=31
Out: h=8 m=15
